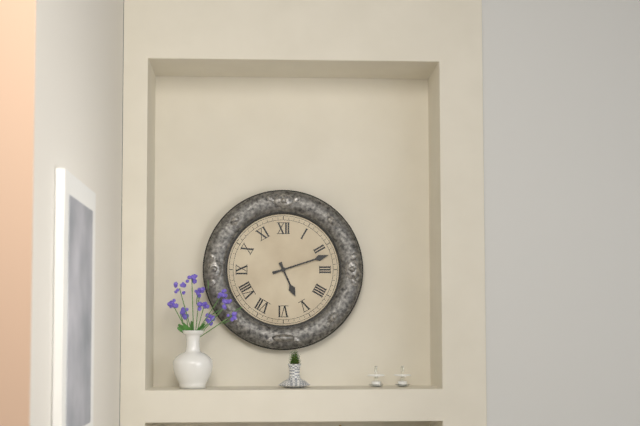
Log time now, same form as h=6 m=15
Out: h=5 m=12
